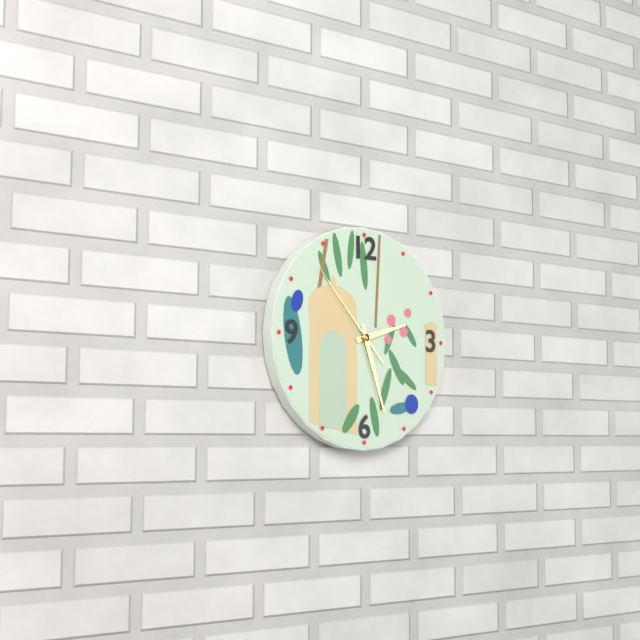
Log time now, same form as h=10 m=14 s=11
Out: h=2 m=27 s=53
